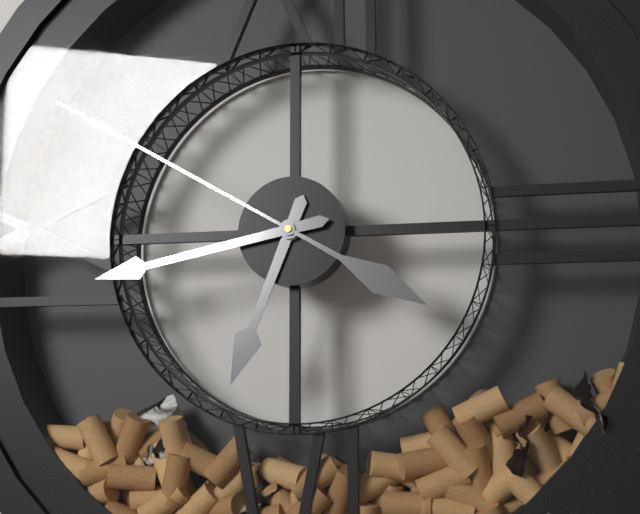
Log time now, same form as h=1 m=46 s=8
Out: h=6 m=43 s=50
